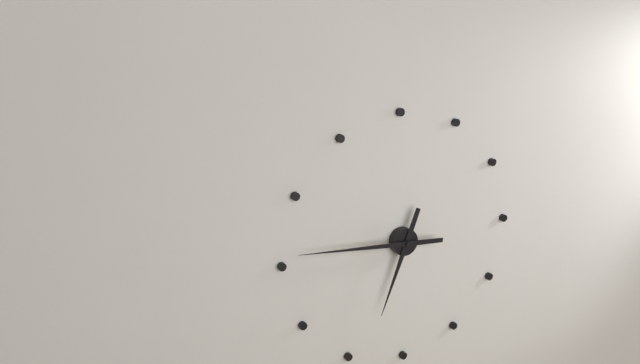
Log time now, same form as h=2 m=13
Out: h=6 m=46
